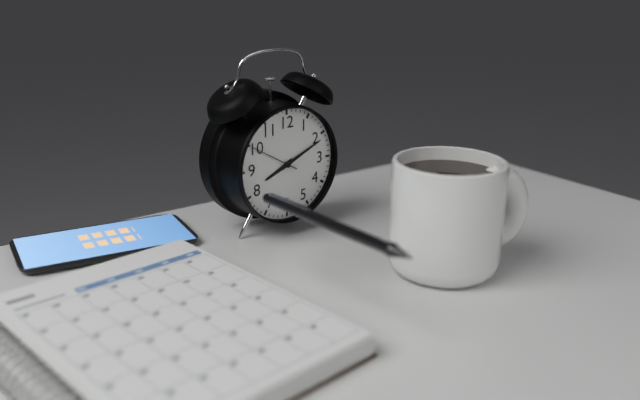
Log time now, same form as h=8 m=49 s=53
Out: h=8 m=11 s=50
